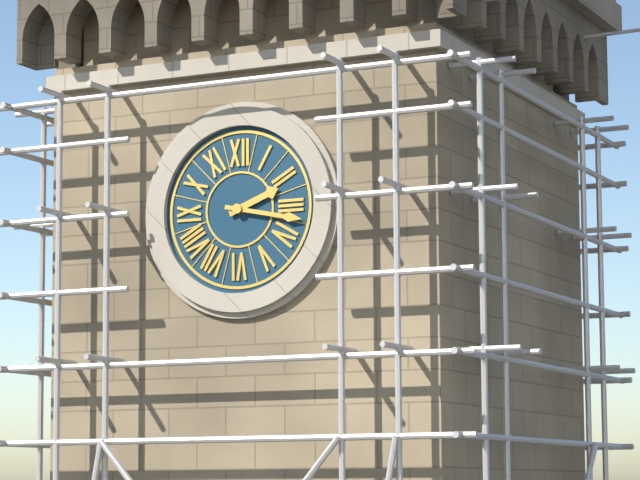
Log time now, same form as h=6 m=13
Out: h=2 m=17
